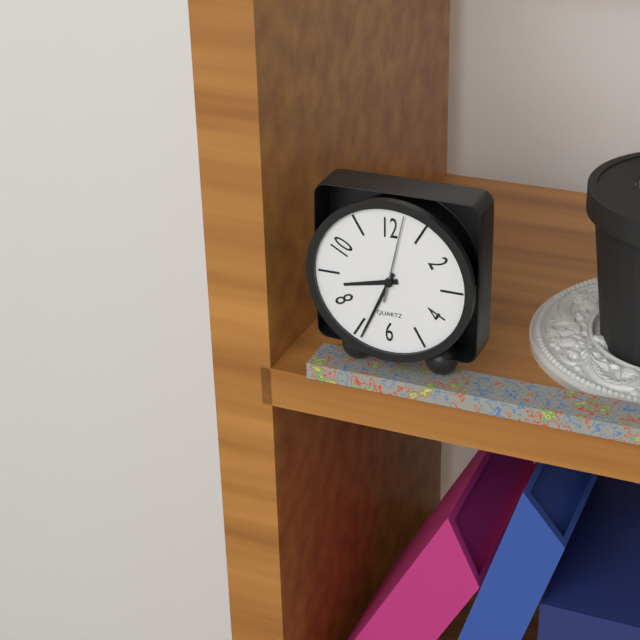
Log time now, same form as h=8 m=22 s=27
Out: h=8 m=34 s=2
